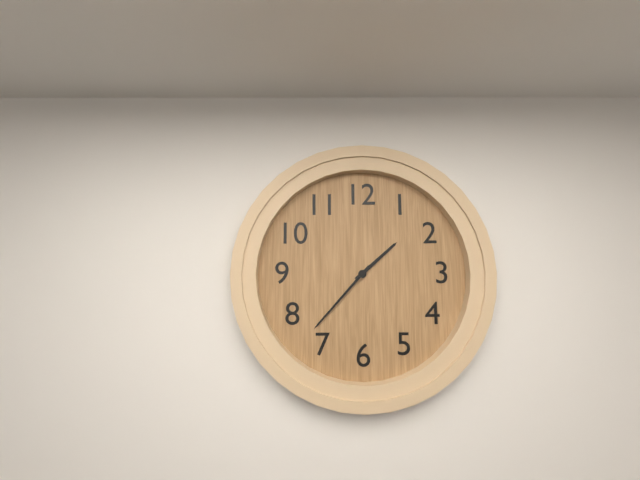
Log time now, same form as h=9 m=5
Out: h=1 m=37
